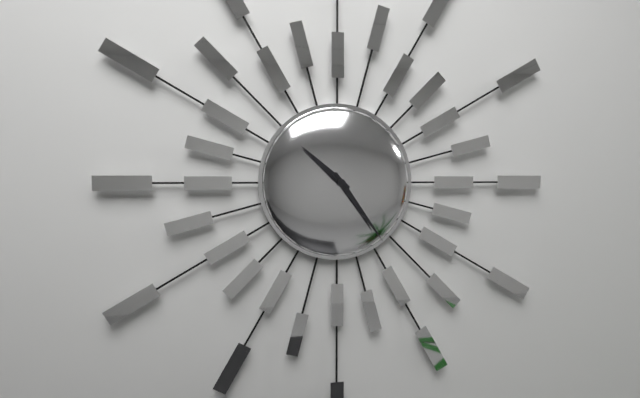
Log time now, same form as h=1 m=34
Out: h=10 m=24
